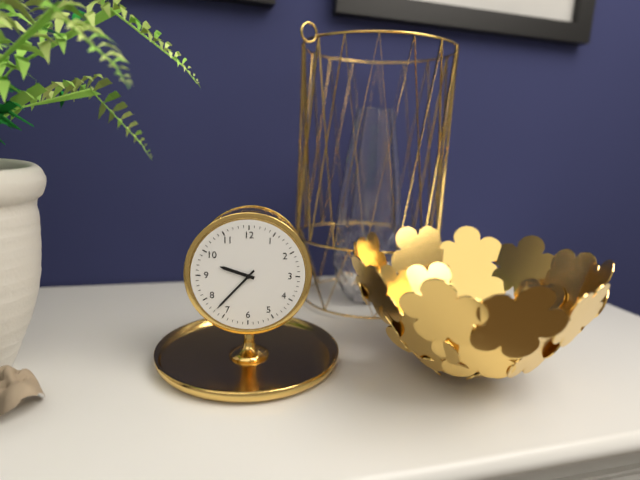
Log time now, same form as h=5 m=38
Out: h=9 m=37
